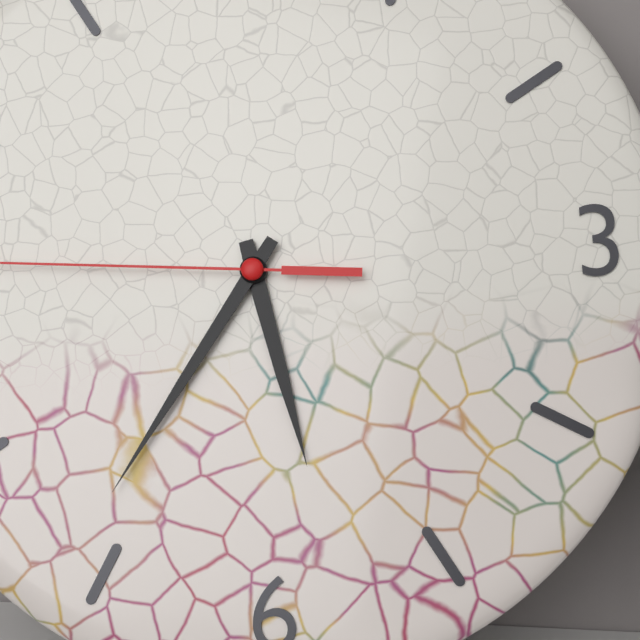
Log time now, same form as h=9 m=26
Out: h=5 m=36
